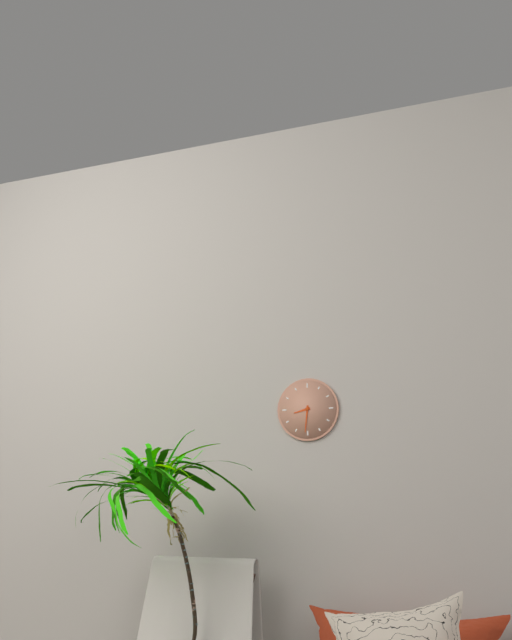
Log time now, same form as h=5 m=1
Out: h=8 m=31
